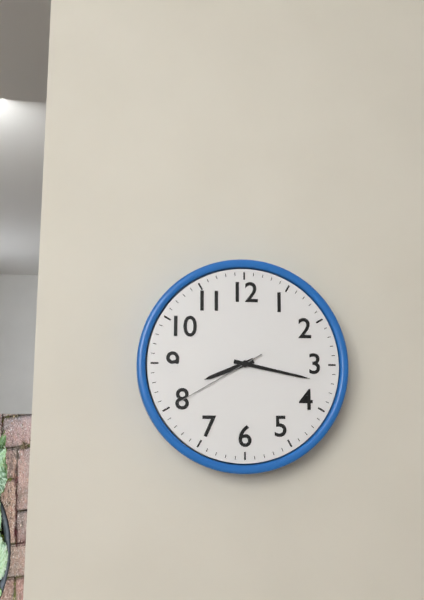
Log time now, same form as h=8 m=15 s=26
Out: h=8 m=17 s=40
